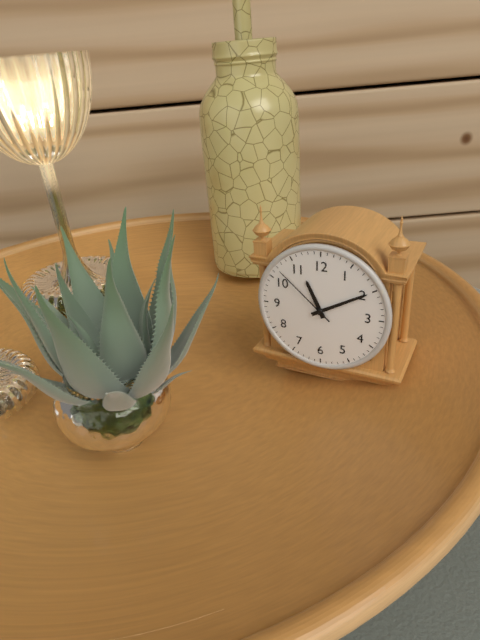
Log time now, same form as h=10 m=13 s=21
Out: h=11 m=10 s=52
